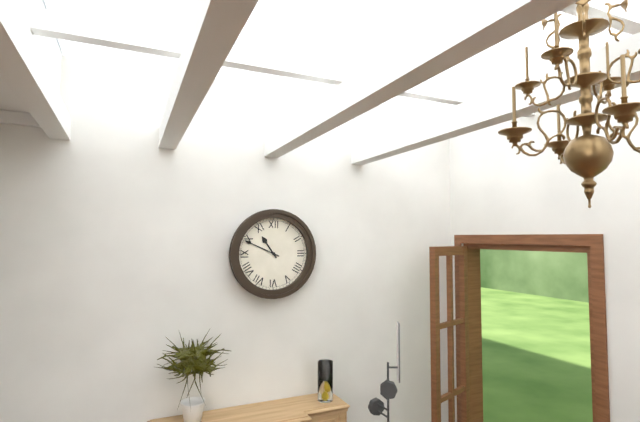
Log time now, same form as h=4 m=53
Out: h=10 m=49
